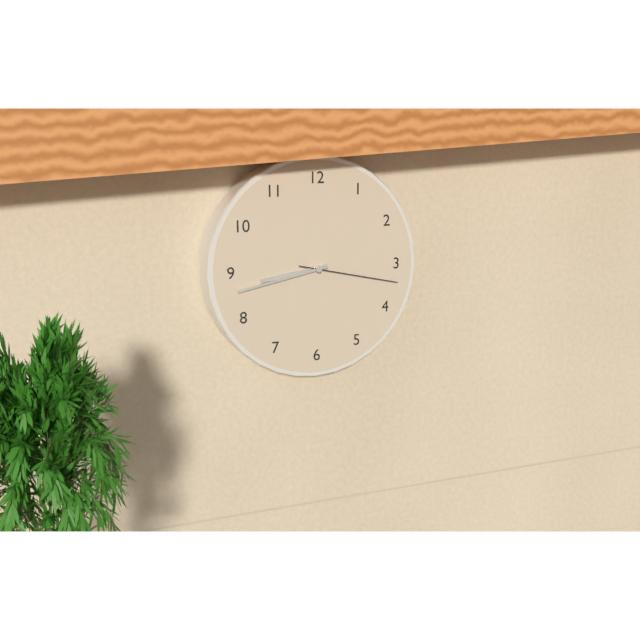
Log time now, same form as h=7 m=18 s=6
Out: h=8 m=43 s=17
